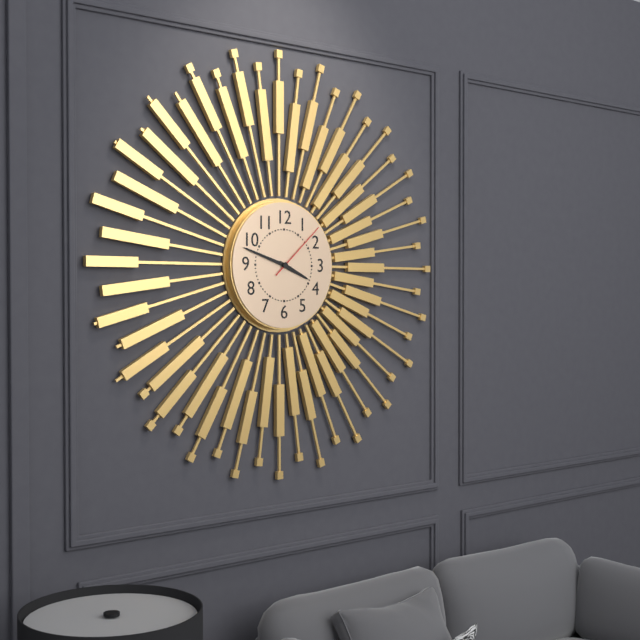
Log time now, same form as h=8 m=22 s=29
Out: h=3 m=48 s=8
